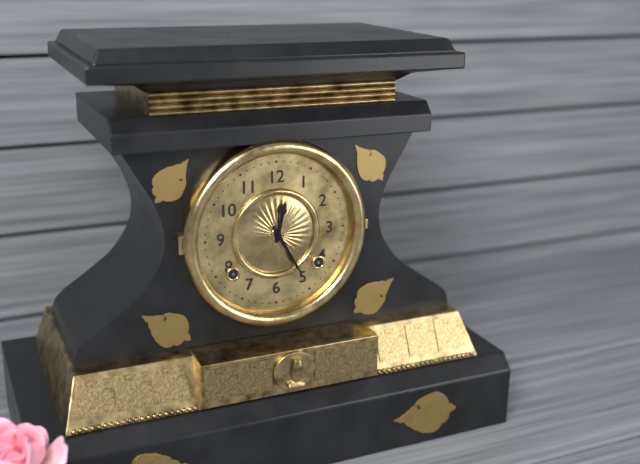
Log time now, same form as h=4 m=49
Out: h=12 m=25
